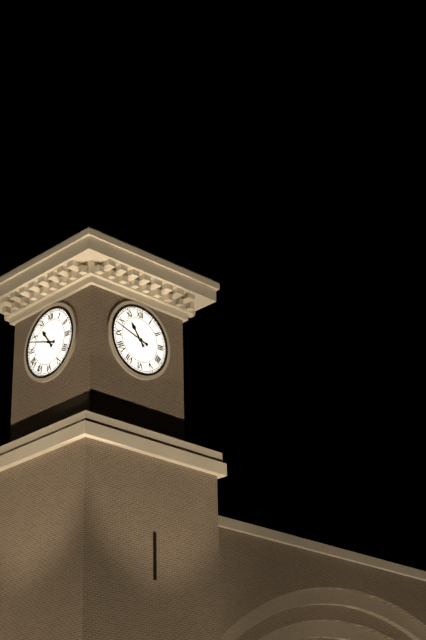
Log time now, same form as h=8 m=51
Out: h=10 m=48
